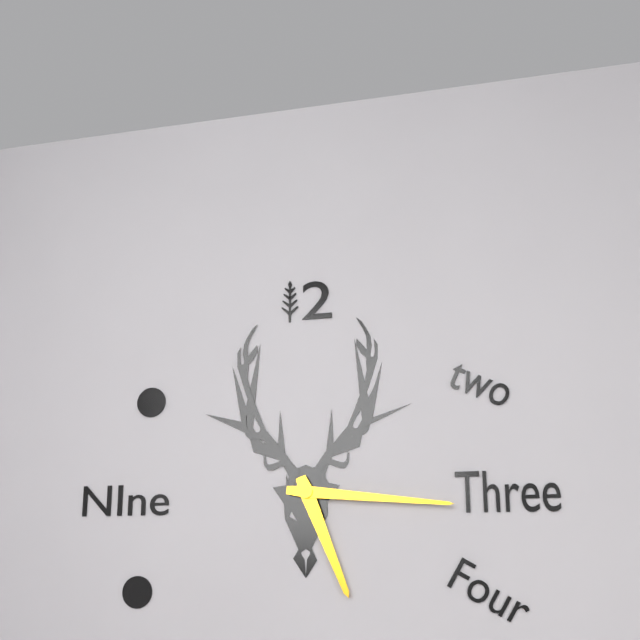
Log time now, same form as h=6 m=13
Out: h=5 m=16
